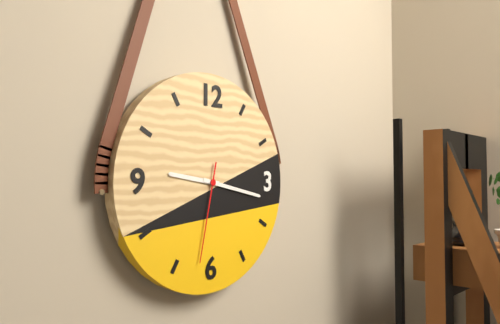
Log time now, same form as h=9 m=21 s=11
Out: h=9 m=17 s=32
